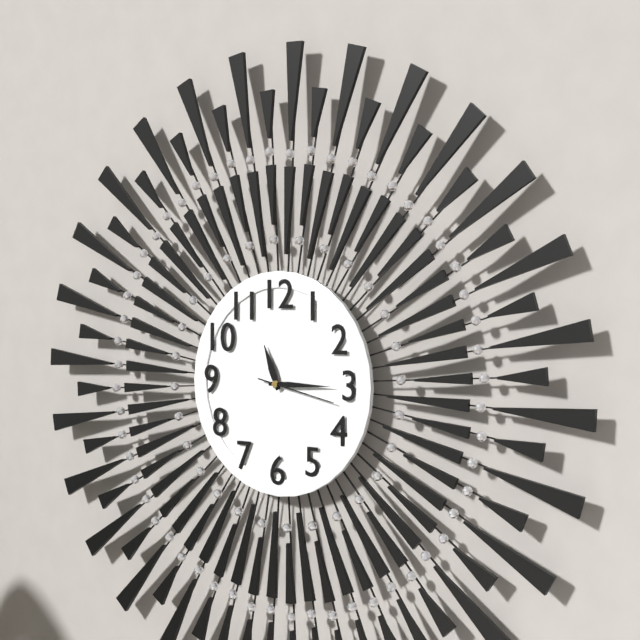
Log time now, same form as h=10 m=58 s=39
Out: h=11 m=15 s=17
